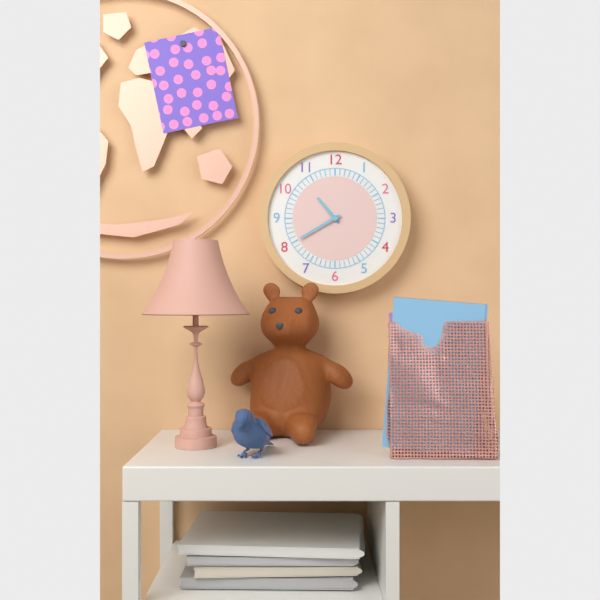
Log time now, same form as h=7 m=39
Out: h=10 m=40
